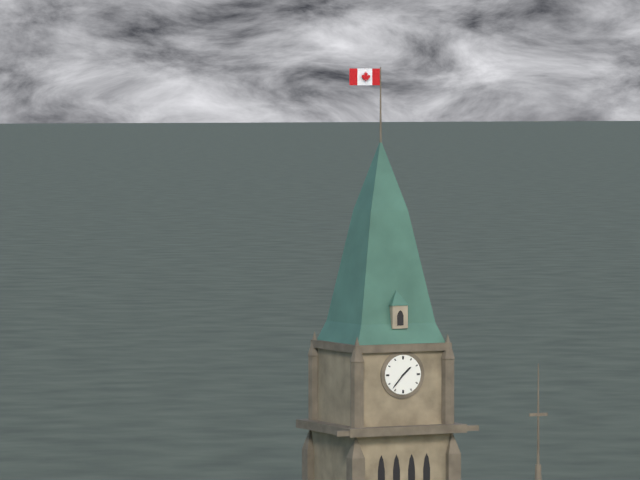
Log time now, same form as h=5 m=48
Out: h=1 m=37
